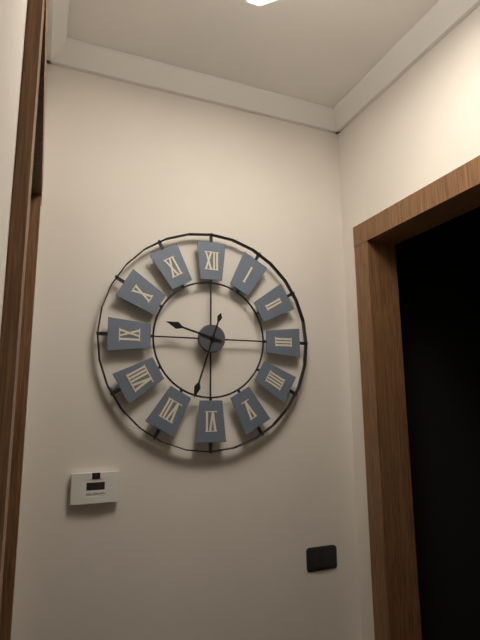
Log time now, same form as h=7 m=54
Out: h=9 m=33
